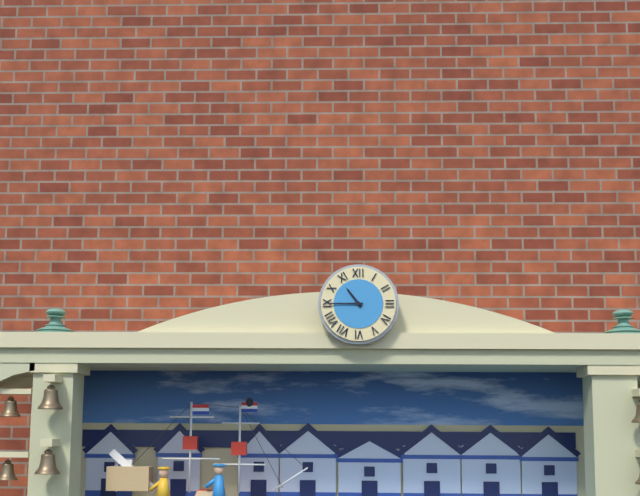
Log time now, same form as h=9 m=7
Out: h=10 m=45
